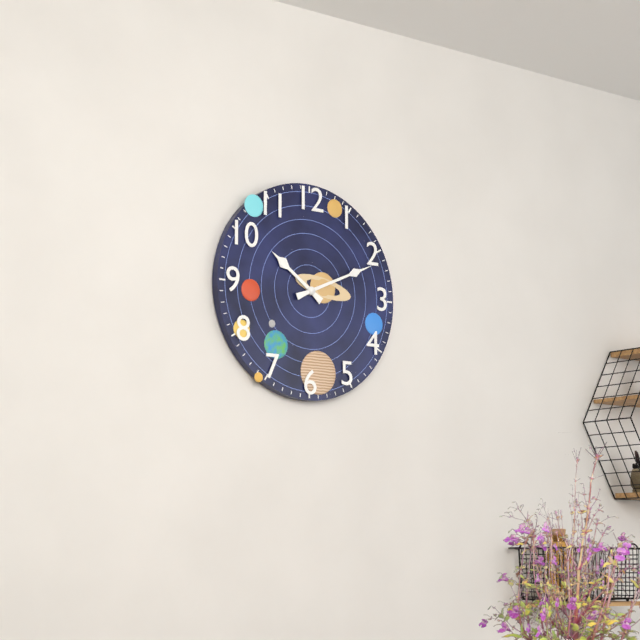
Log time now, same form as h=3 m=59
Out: h=10 m=11
